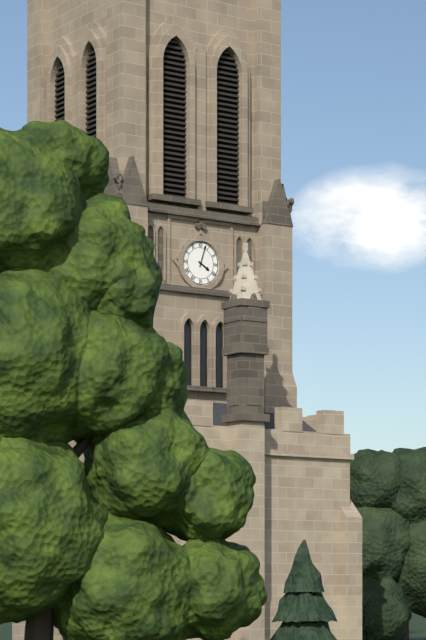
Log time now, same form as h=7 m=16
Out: h=4 m=3
